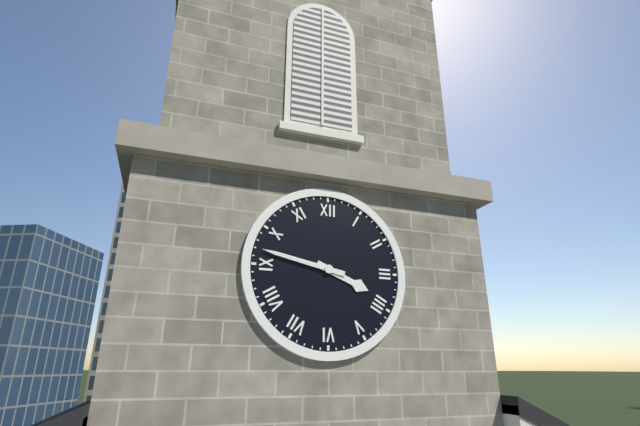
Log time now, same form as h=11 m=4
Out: h=3 m=47
